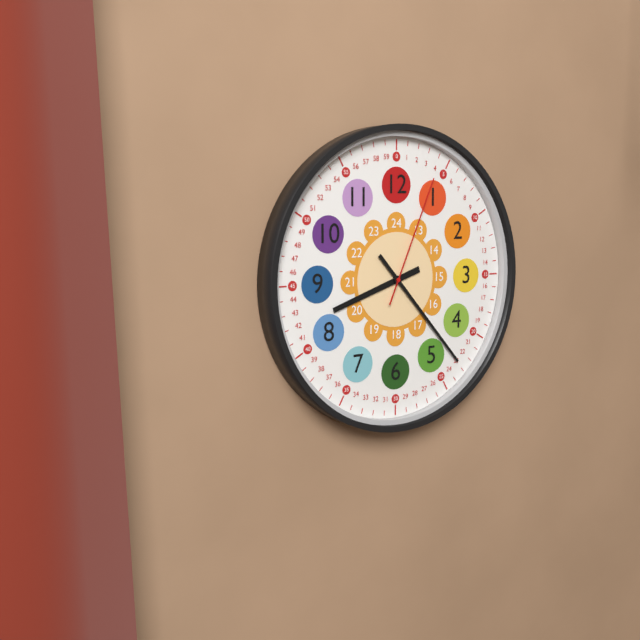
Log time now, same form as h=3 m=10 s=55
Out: h=8 m=23 s=4
